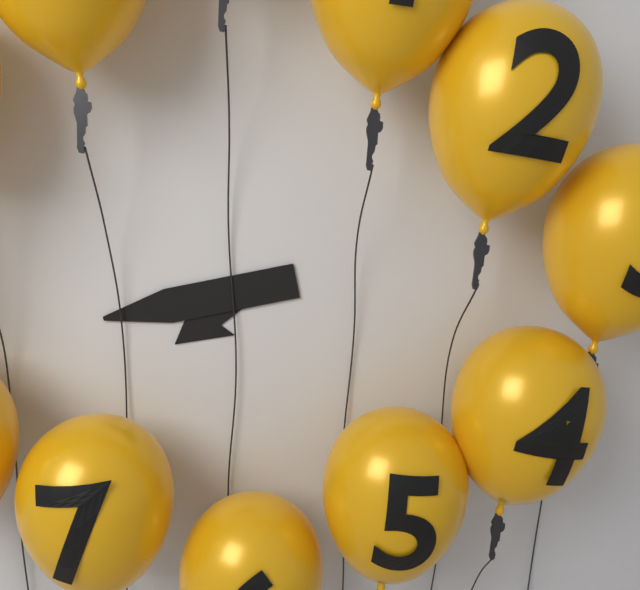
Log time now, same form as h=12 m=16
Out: h=7 m=43
